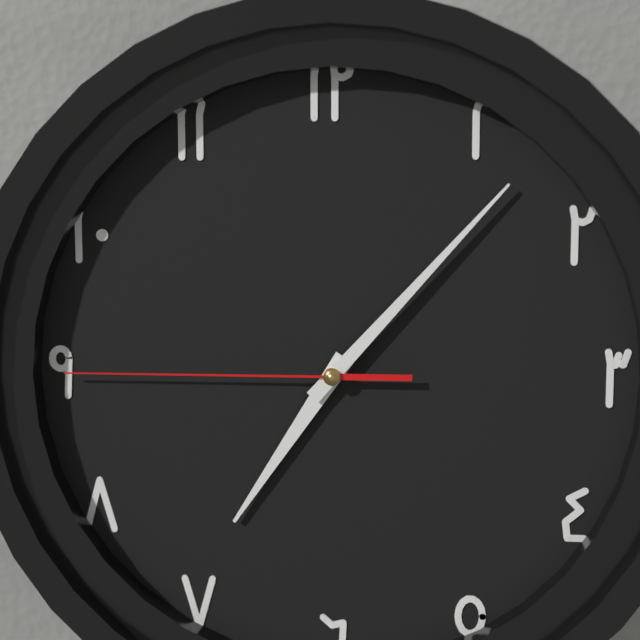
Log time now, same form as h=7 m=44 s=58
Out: h=7 m=7 s=45
